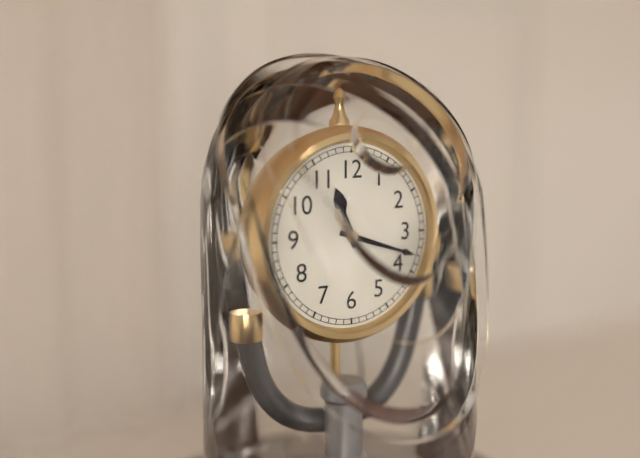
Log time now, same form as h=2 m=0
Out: h=11 m=18
